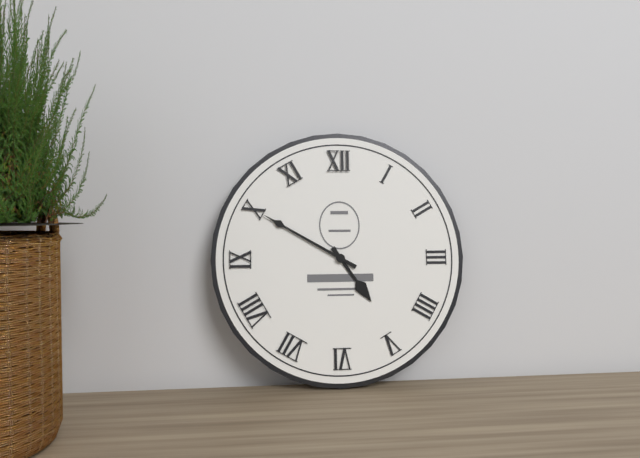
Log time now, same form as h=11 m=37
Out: h=4 m=50
